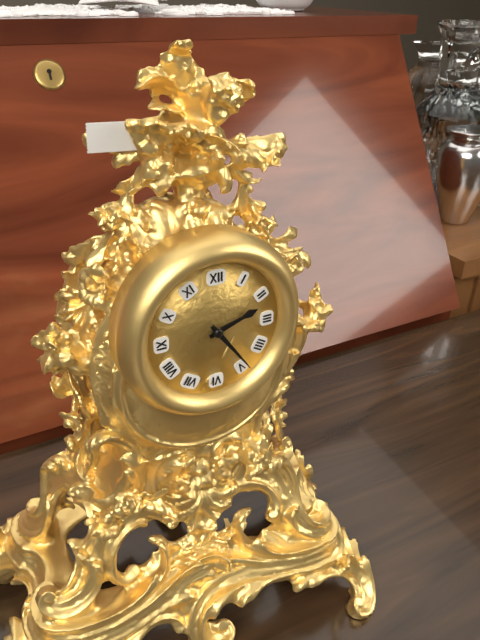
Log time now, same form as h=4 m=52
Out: h=2 m=24
